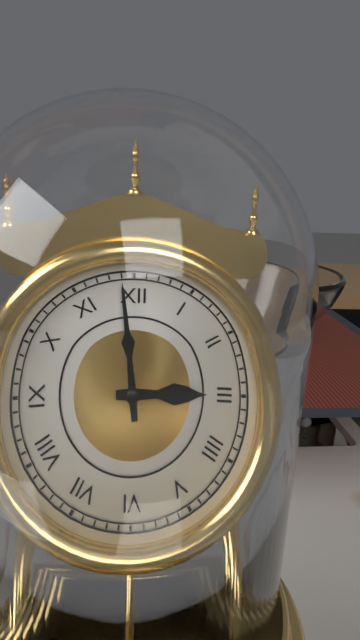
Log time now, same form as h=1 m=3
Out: h=2 m=59
